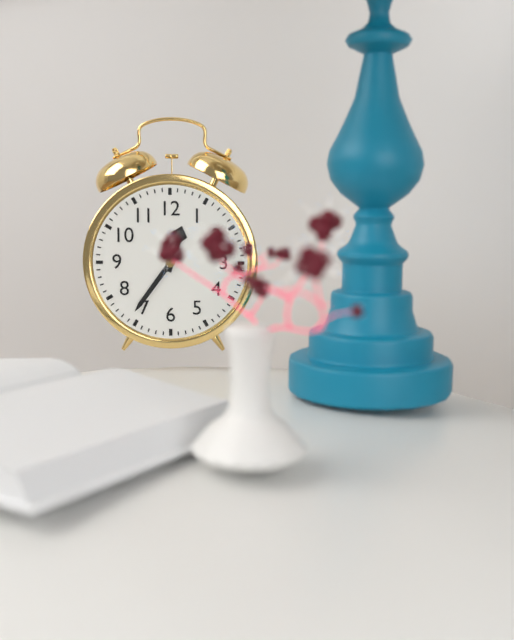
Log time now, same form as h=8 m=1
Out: h=12 m=36
